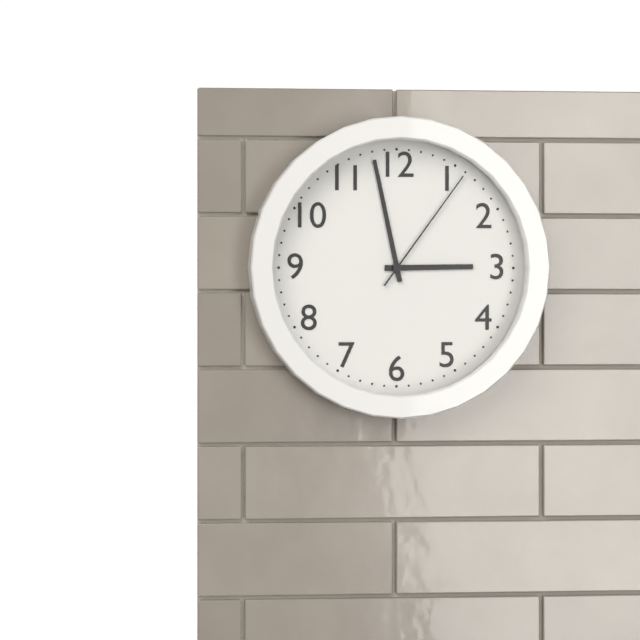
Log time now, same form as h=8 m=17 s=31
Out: h=2 m=58 s=6
